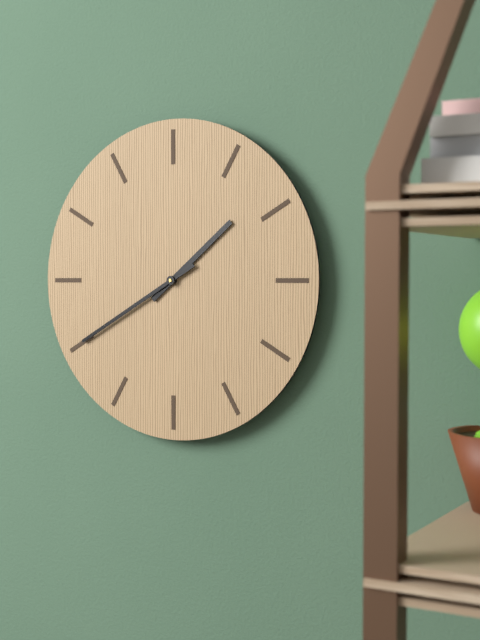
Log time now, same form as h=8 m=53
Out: h=1 m=40
